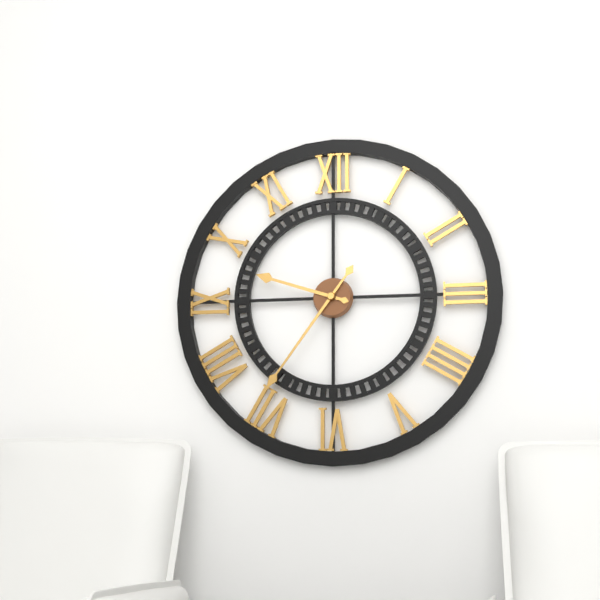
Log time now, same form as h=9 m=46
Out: h=9 m=36
